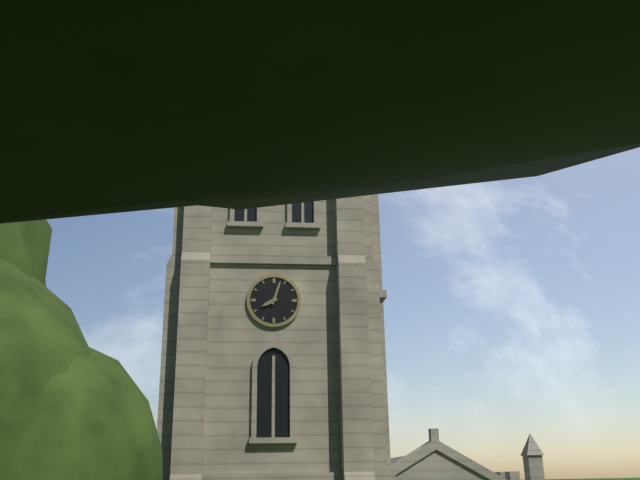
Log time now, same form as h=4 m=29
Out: h=8 m=3
